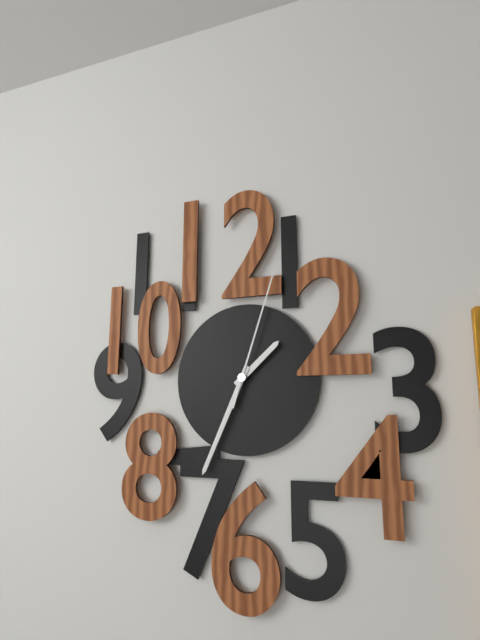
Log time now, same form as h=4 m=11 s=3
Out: h=1 m=34 s=3
